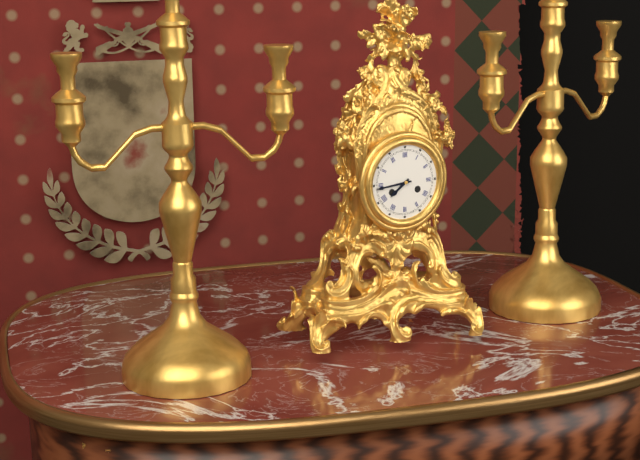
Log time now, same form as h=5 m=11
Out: h=7 m=44
